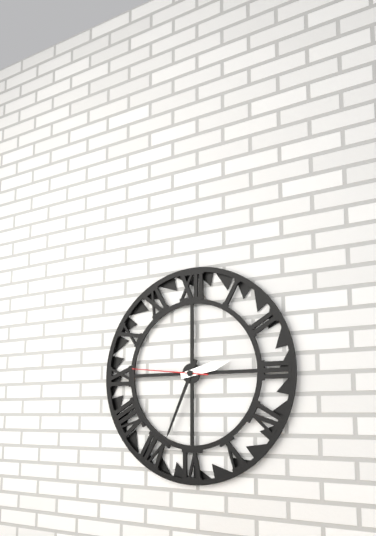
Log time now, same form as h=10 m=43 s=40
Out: h=2 m=34 s=46
